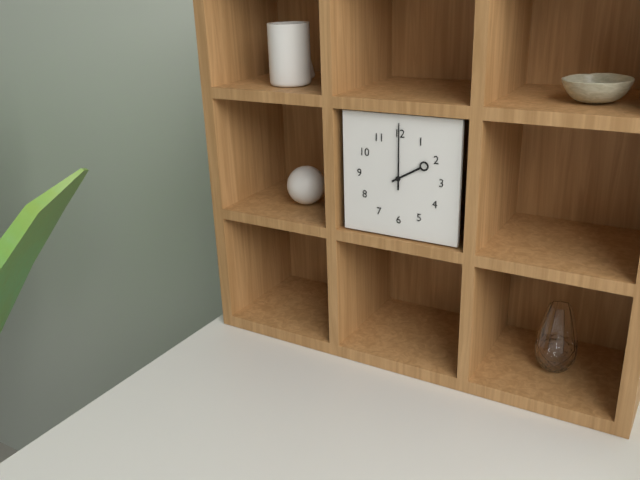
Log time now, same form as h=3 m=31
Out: h=2 m=0
